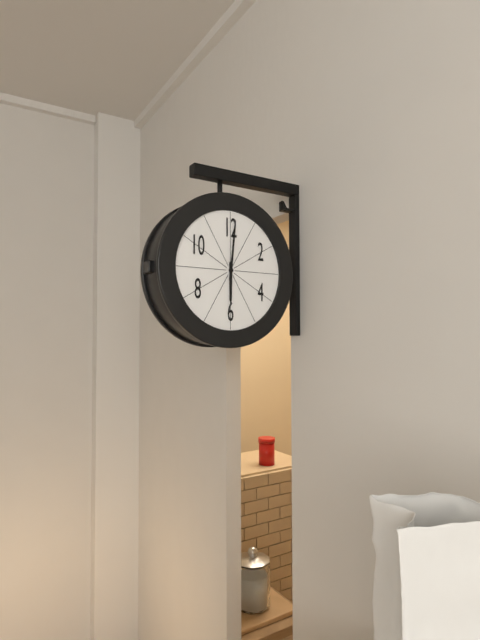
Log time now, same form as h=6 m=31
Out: h=6 m=1
